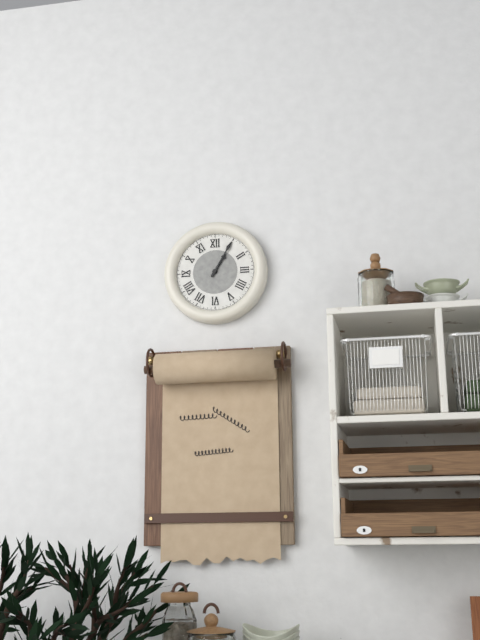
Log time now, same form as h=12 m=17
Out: h=1 m=5
